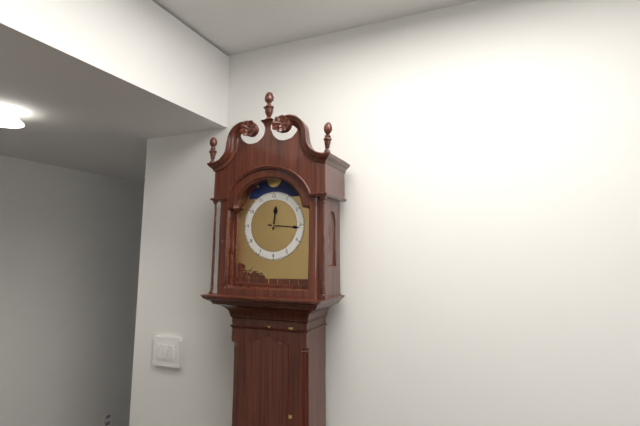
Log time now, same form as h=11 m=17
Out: h=12 m=16
